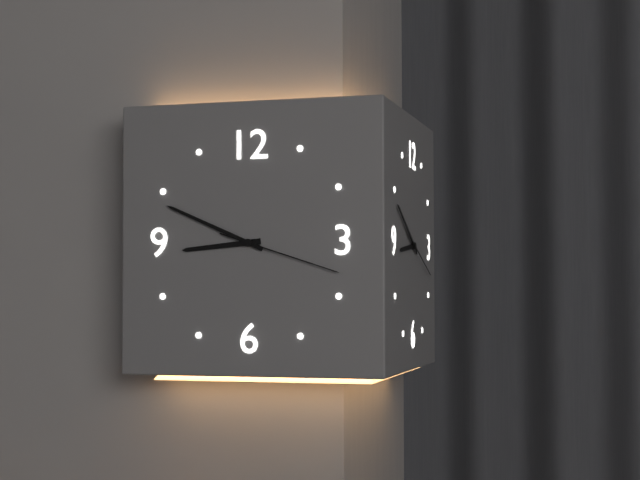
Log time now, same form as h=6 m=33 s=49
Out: h=8 m=49 s=18
